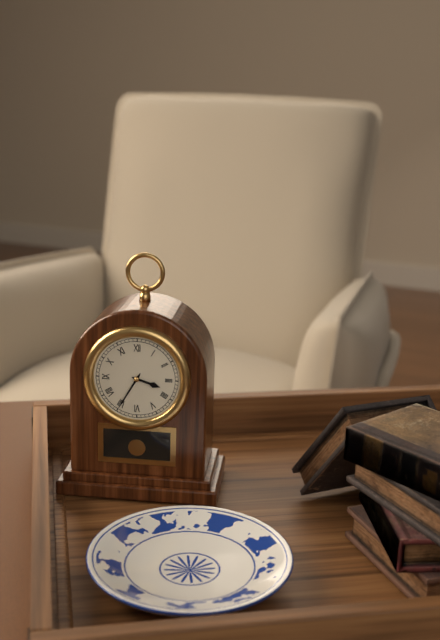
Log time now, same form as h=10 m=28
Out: h=3 m=35
